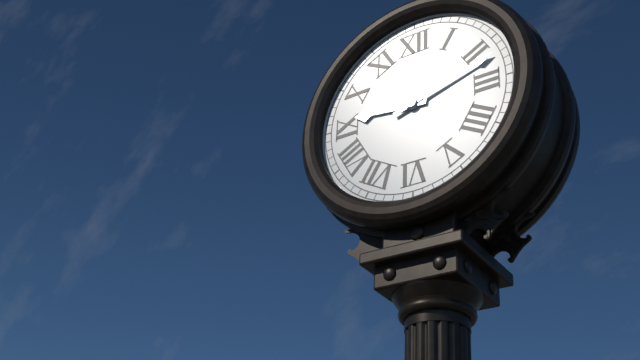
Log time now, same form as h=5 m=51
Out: h=9 m=12
